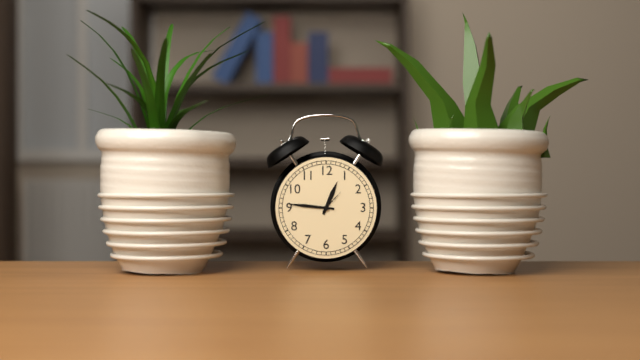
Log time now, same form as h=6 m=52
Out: h=12 m=46
